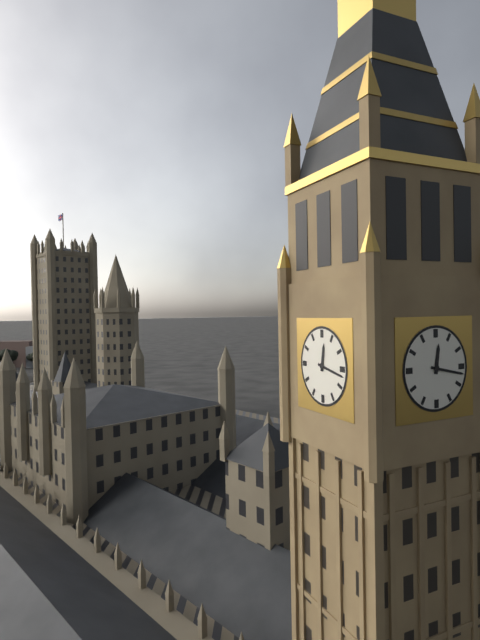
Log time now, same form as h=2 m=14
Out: h=12 m=17
